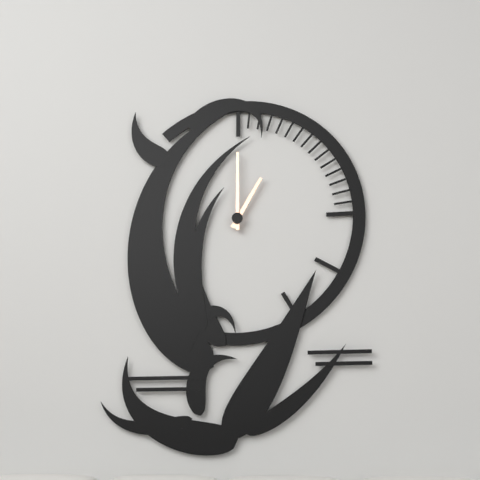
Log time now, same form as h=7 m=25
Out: h=1 m=0
